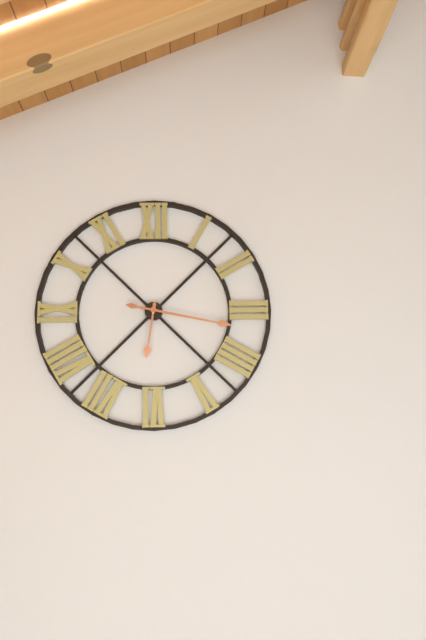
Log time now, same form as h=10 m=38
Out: h=6 m=17
